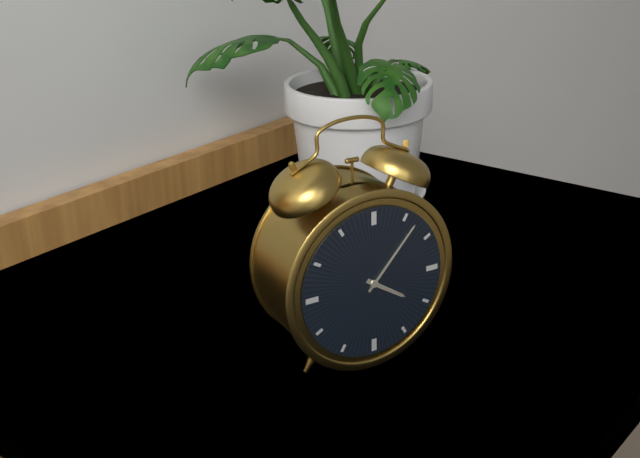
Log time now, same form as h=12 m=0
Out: h=4 m=7
